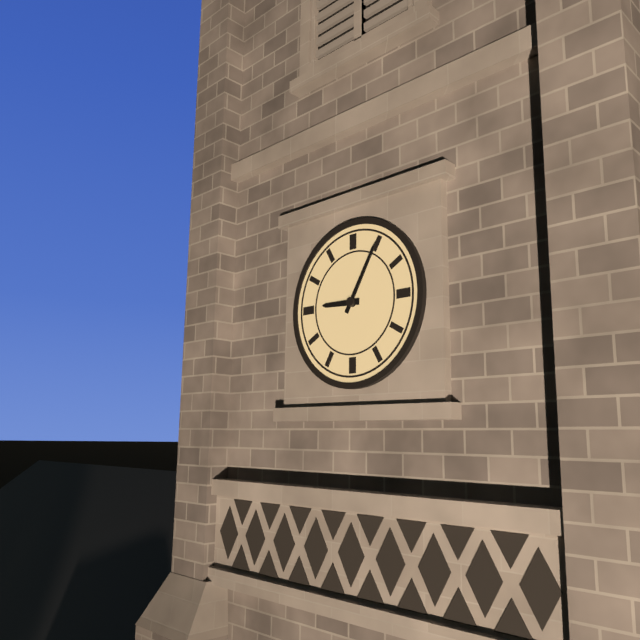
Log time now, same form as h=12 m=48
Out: h=9 m=5
